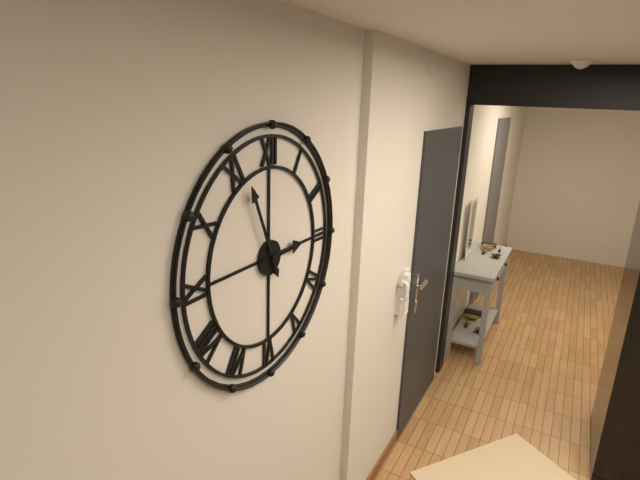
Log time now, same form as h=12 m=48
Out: h=2 m=56
